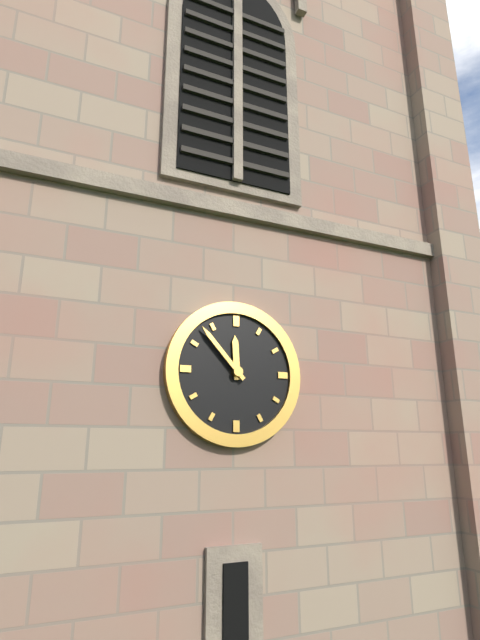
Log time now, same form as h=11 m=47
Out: h=11 m=53
